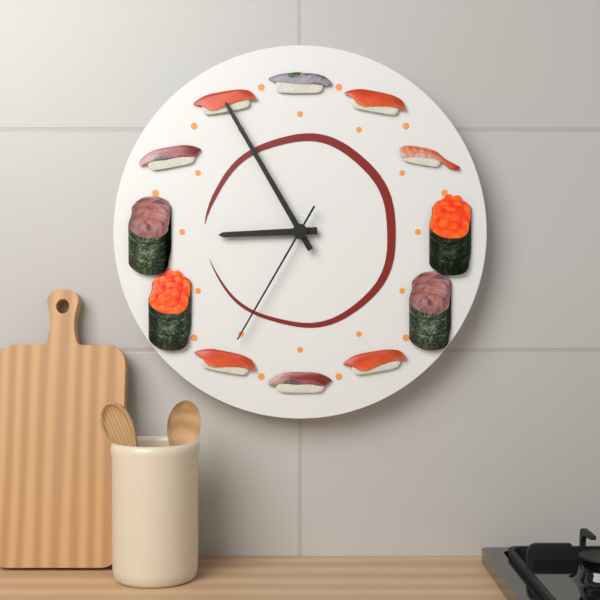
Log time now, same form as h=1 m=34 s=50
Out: h=8 m=55 s=35
